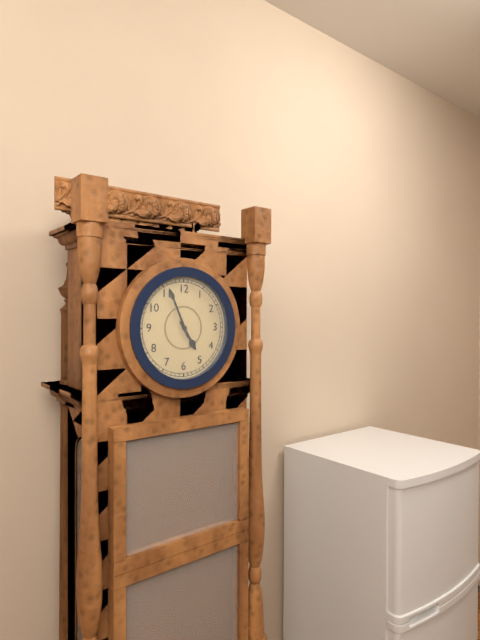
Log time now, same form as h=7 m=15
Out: h=4 m=56
